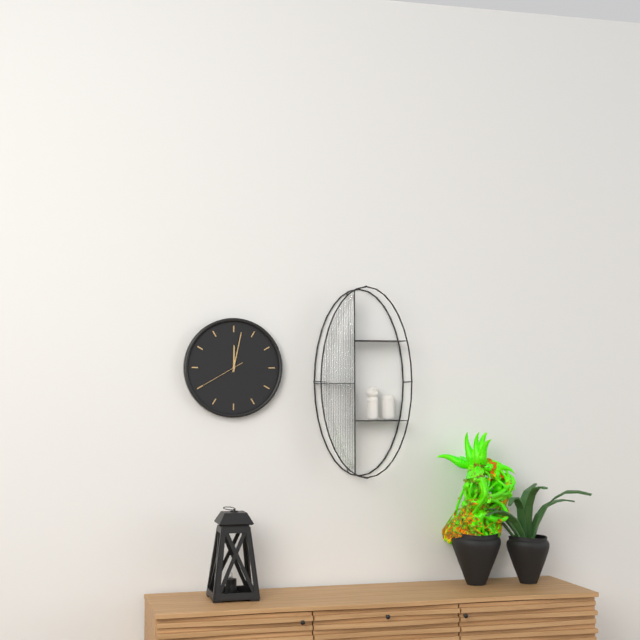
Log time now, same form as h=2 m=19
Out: h=12 m=2
